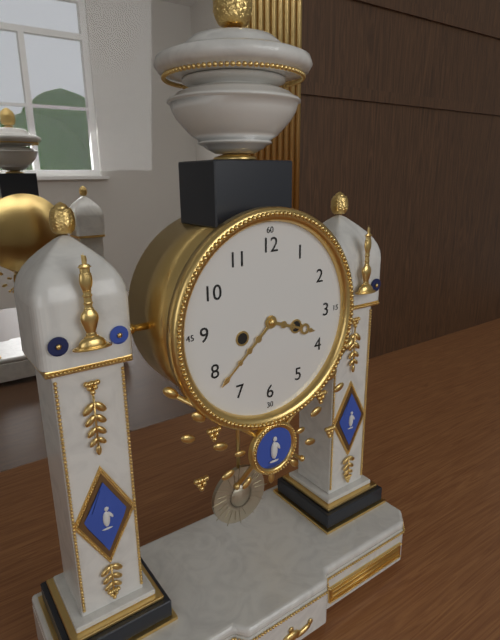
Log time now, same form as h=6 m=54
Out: h=3 m=38
